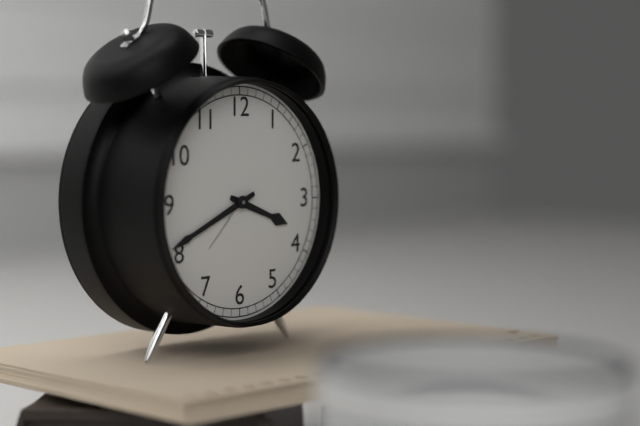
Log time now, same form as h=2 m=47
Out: h=3 m=41
